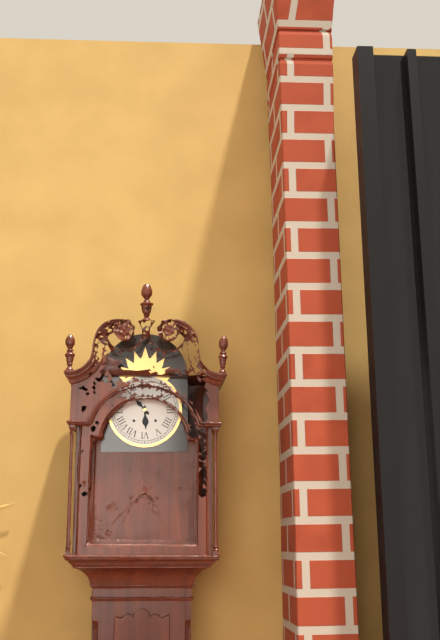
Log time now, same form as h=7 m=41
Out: h=5 m=53
